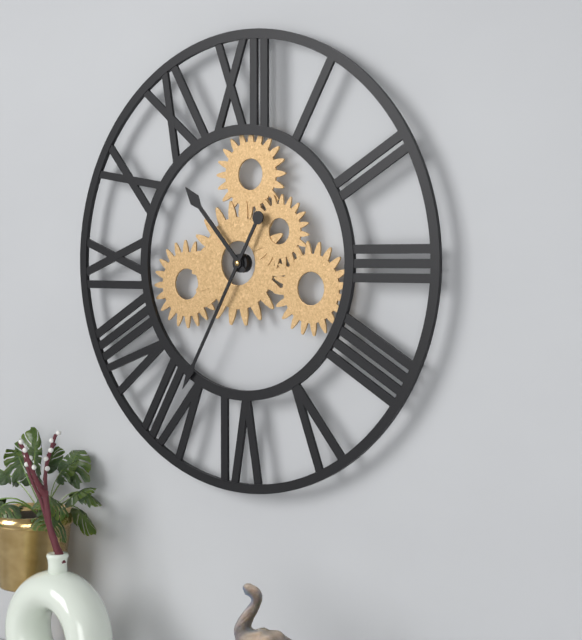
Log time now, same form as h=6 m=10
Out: h=10 m=35
